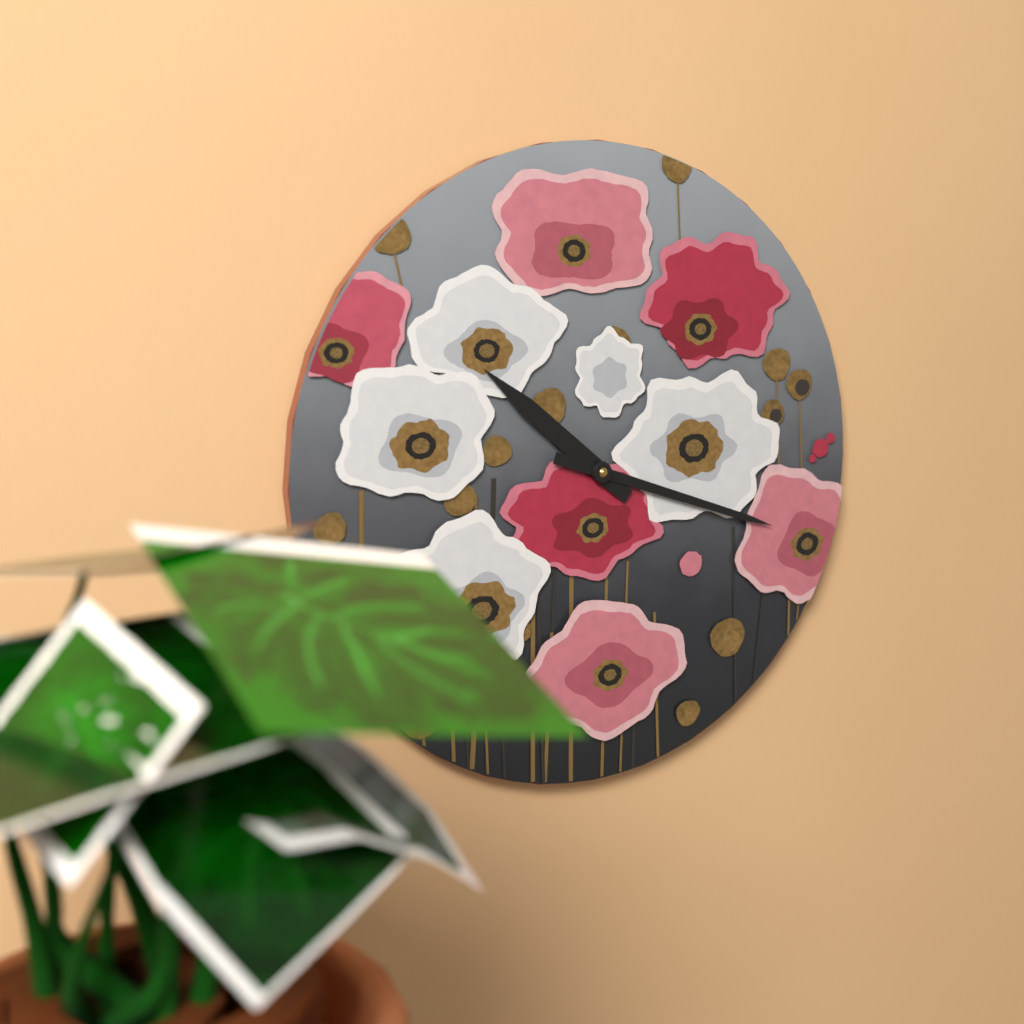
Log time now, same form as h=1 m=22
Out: h=10 m=18
